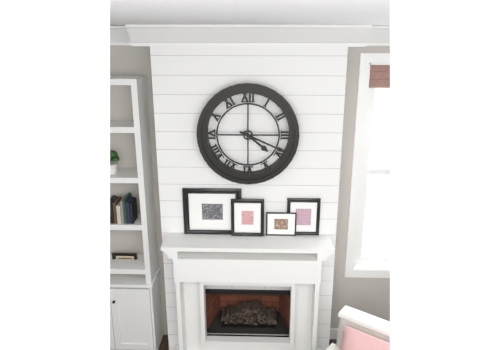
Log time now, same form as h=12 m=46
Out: h=4 m=19
